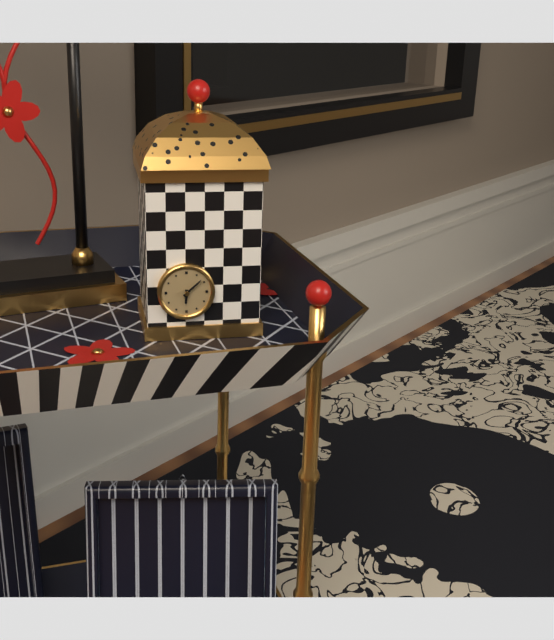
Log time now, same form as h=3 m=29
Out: h=6 m=8
